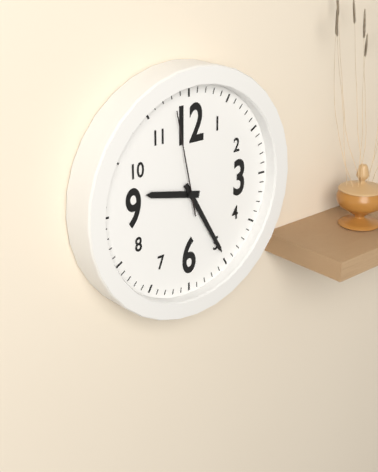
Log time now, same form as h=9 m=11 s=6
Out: h=9 m=25 s=58
